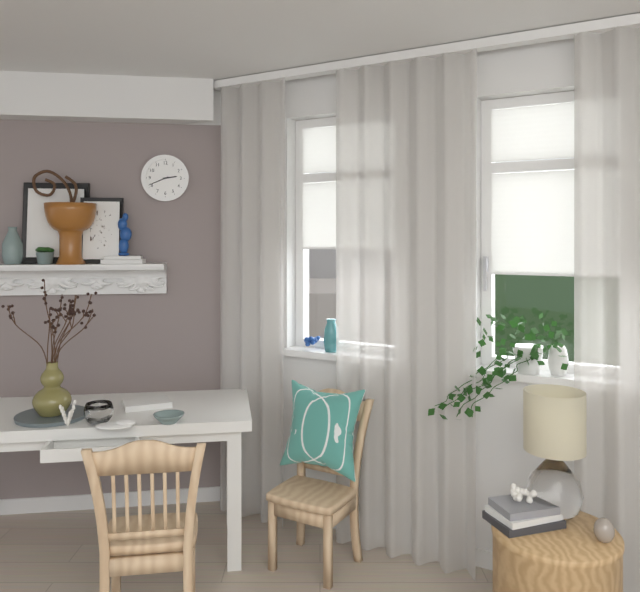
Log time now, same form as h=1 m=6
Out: h=2 m=41
